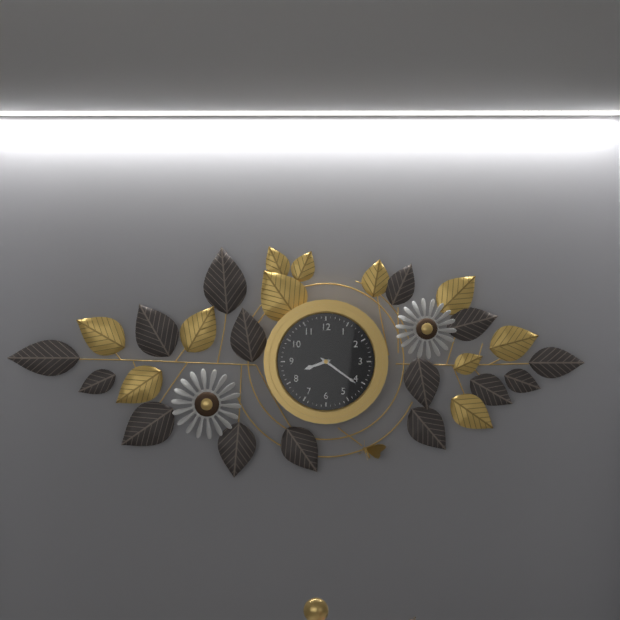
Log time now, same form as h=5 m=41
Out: h=8 m=21
